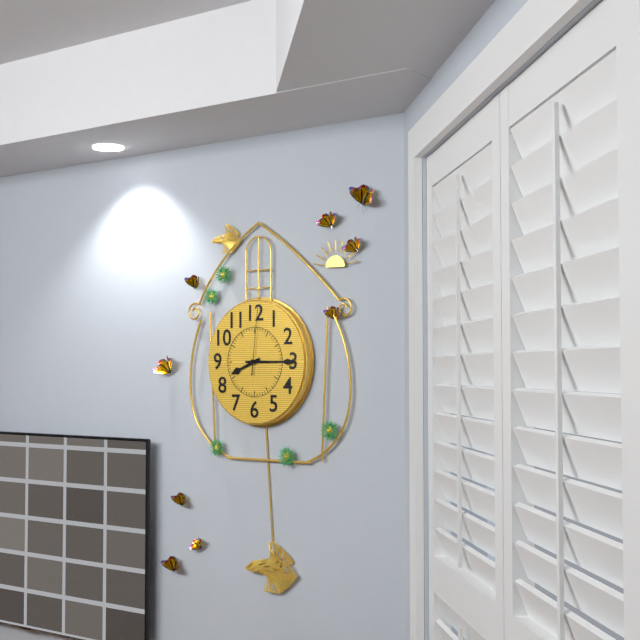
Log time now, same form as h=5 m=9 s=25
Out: h=8 m=15 s=1
